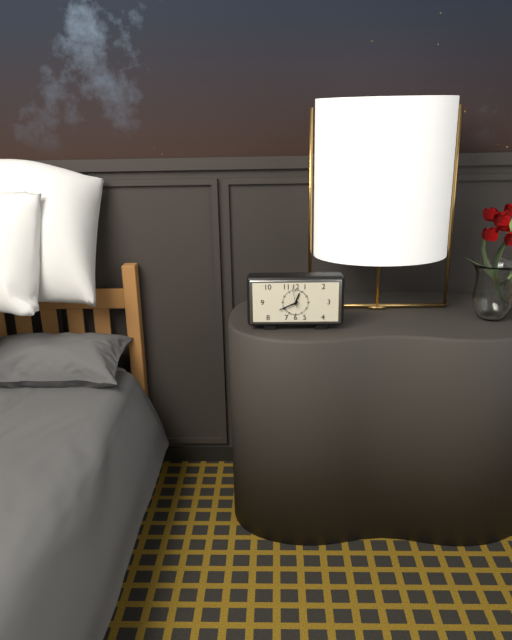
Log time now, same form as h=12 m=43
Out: h=12 m=41
